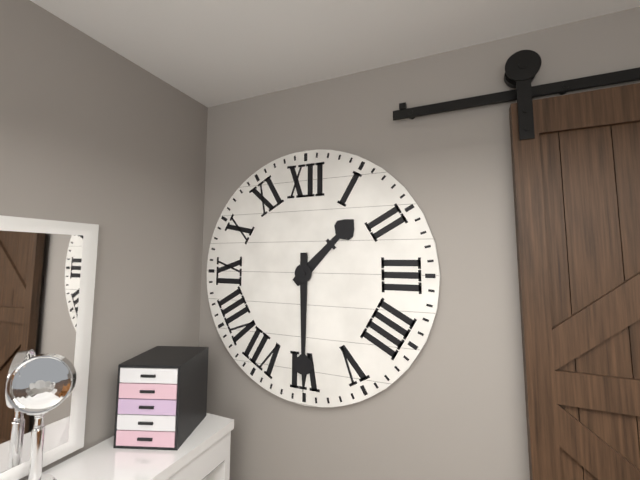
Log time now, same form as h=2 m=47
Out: h=1 m=30
